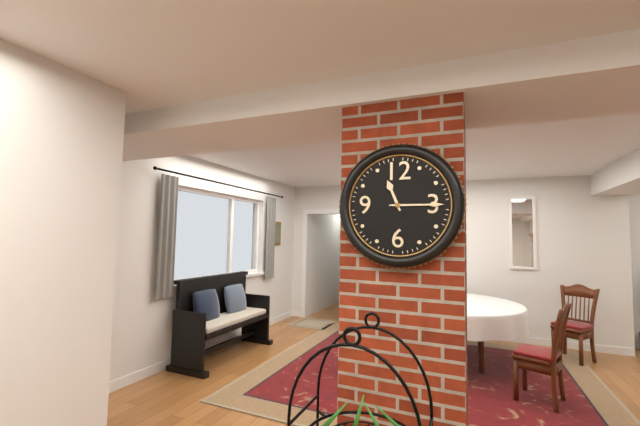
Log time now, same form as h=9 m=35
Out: h=11 m=15
